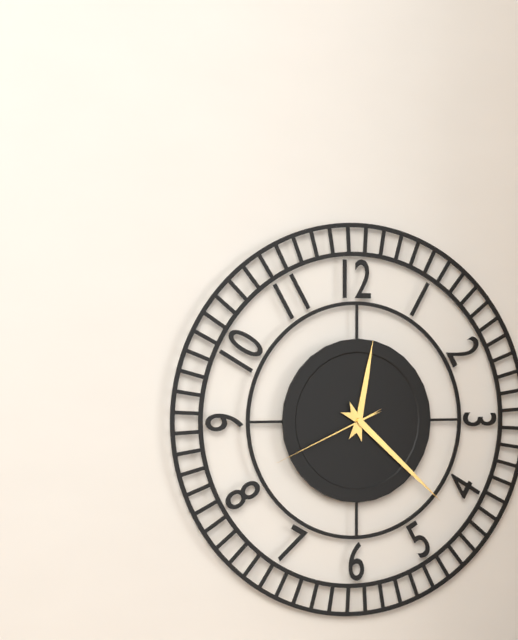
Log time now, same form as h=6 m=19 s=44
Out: h=12 m=22 s=41
